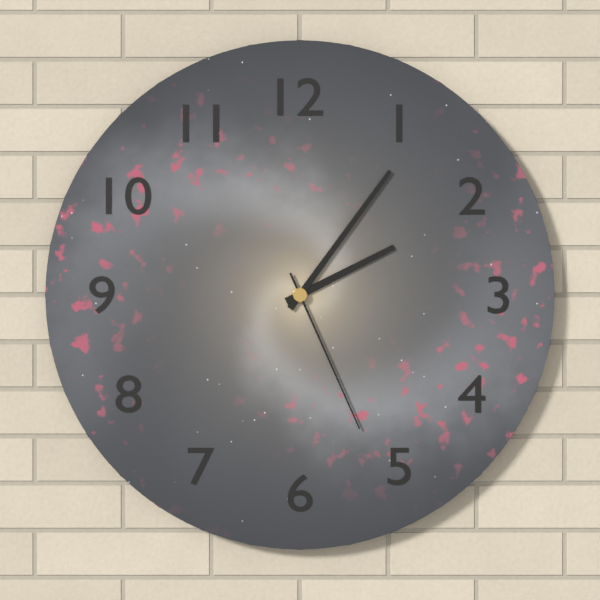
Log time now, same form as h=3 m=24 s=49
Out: h=2 m=6 s=26
